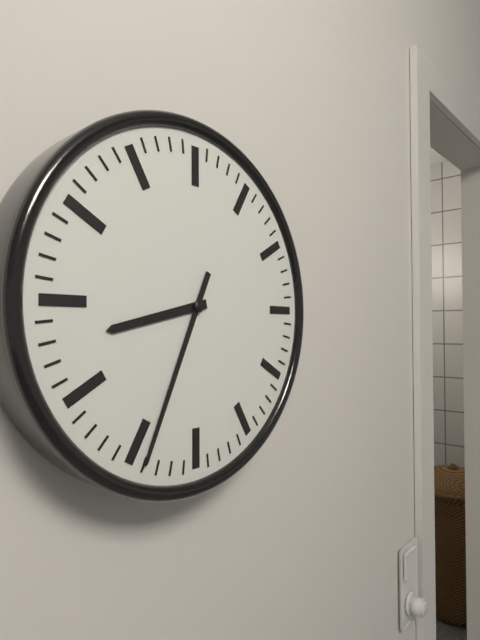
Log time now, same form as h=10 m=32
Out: h=8 m=34
